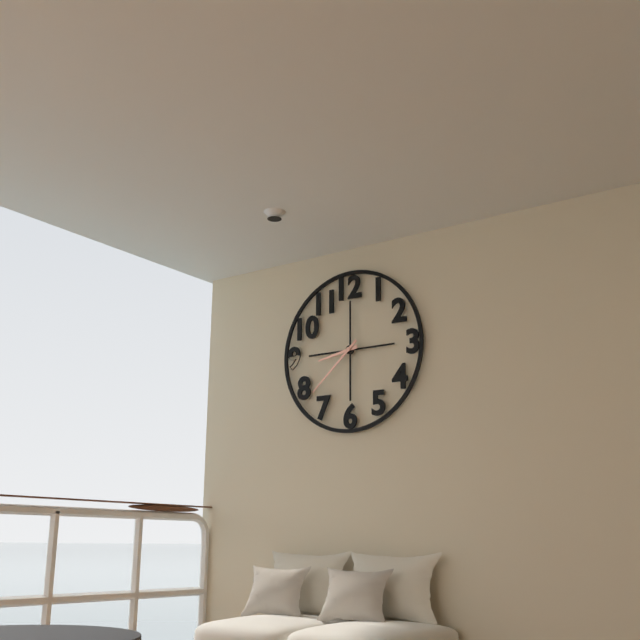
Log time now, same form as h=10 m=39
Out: h=8 m=38
